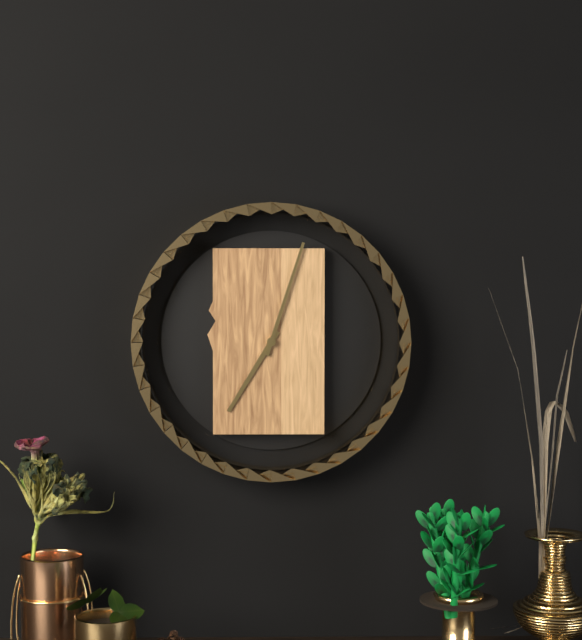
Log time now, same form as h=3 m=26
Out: h=7 m=3
